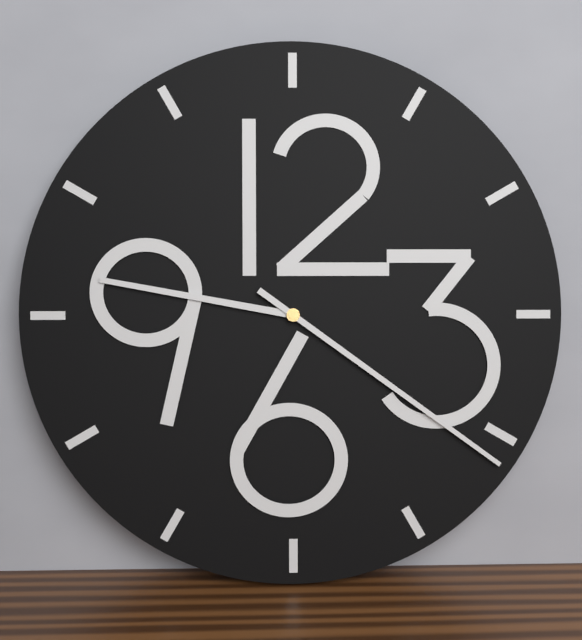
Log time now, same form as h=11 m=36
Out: h=9 m=21
